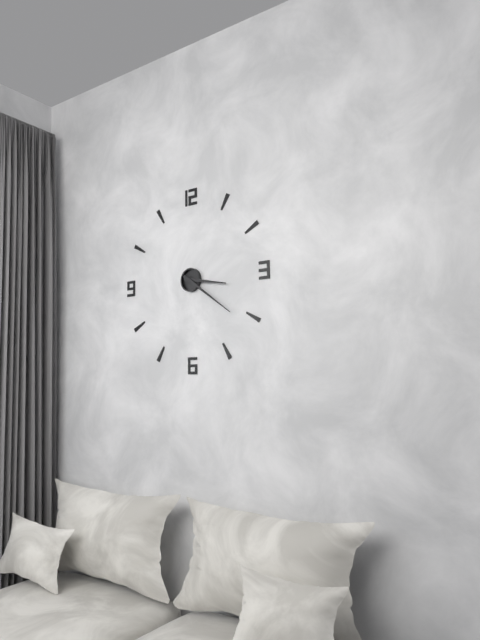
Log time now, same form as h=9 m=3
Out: h=3 m=21
